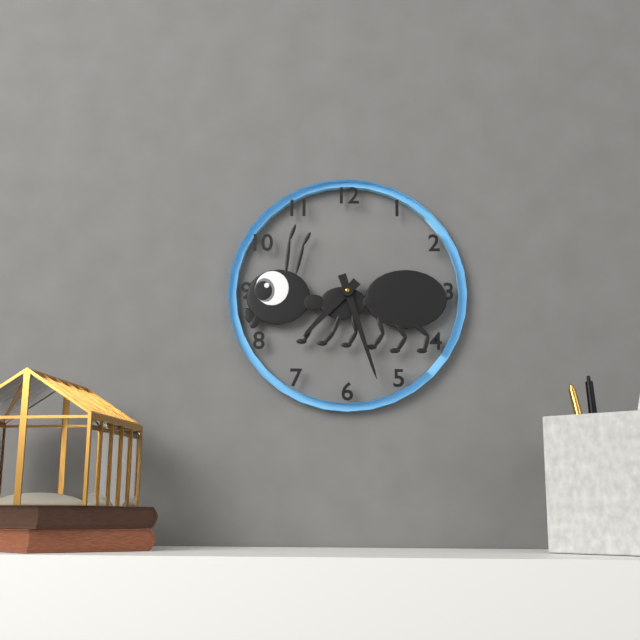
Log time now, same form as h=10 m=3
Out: h=7 m=27
